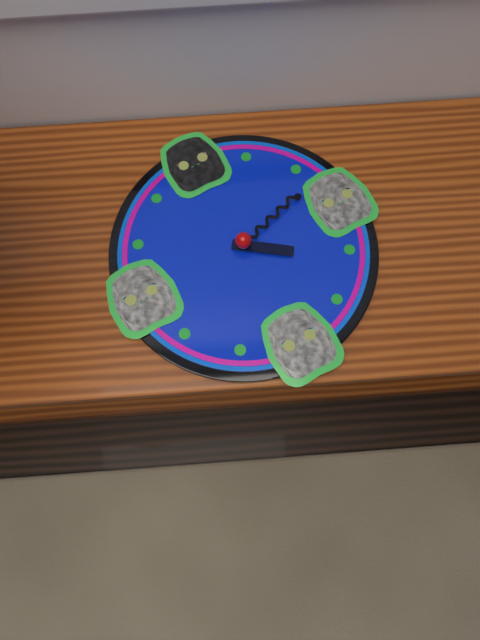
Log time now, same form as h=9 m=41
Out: h=4 m=12
